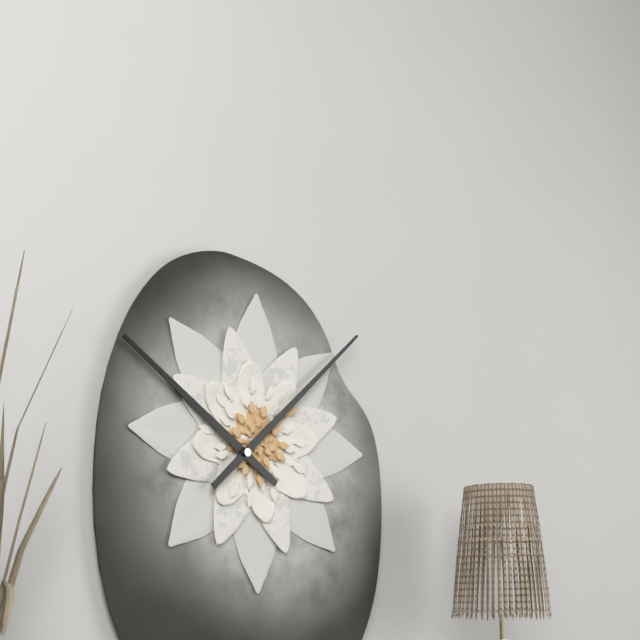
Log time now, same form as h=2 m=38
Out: h=10 m=8
